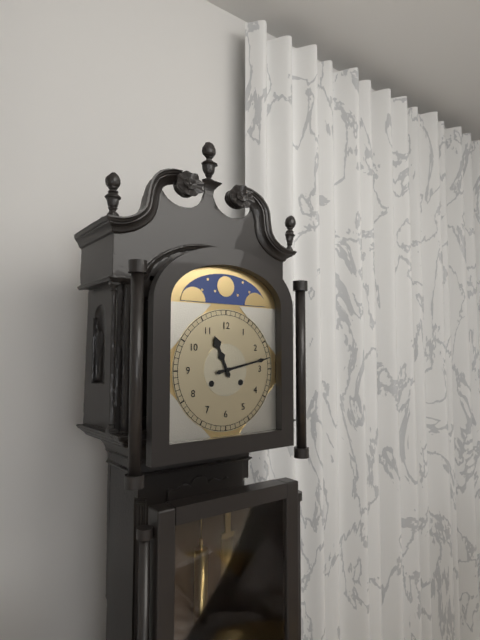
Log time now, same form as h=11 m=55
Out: h=11 m=13
